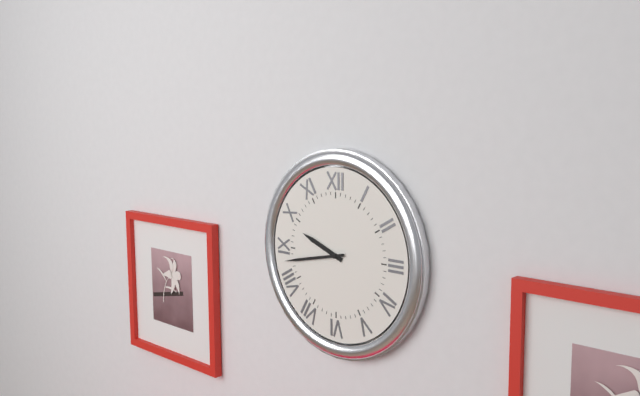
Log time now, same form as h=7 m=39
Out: h=9 m=43
